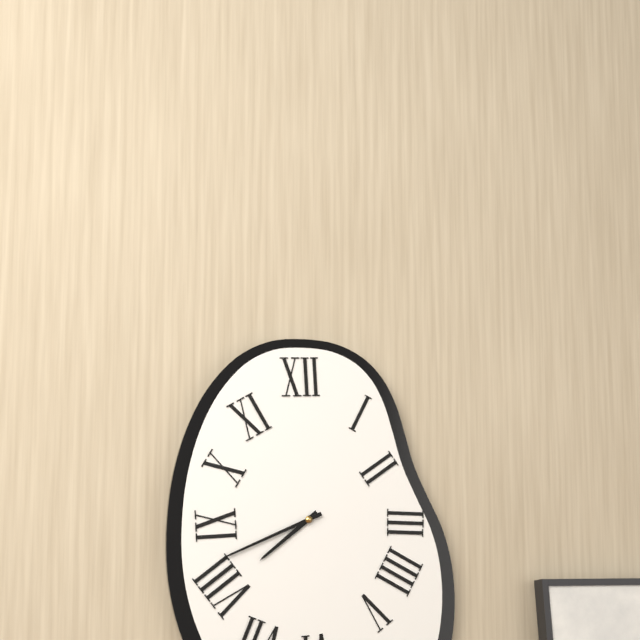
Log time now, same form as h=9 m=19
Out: h=7 m=41
